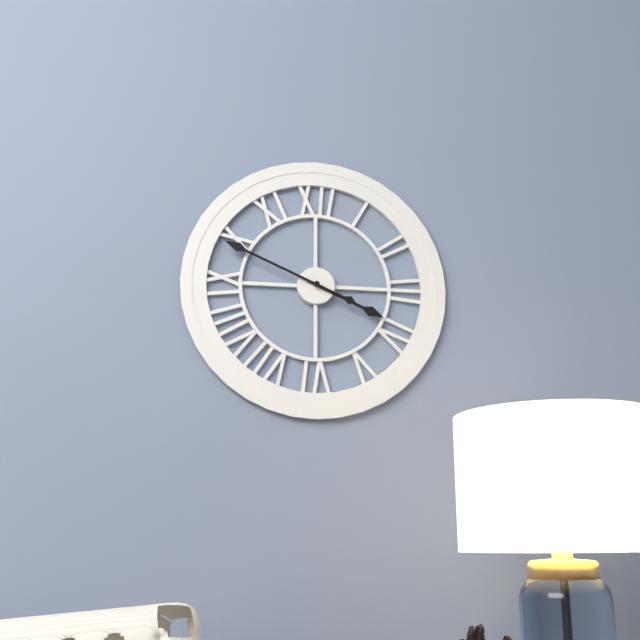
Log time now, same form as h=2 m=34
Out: h=3 m=49
